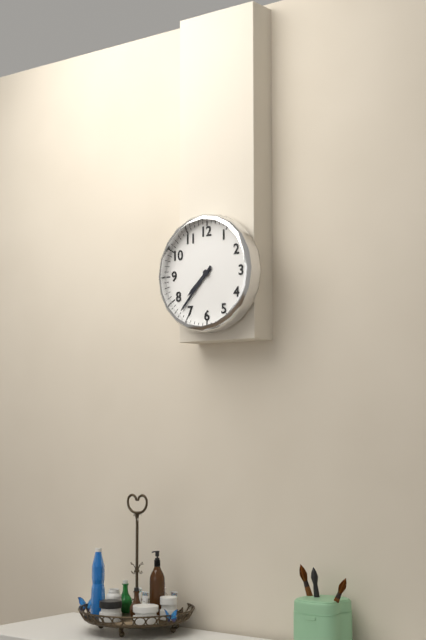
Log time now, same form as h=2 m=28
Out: h=7 m=37
